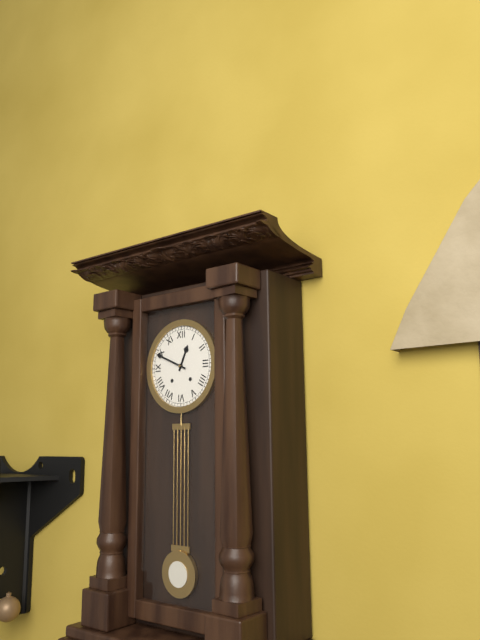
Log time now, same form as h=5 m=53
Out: h=12 m=49
